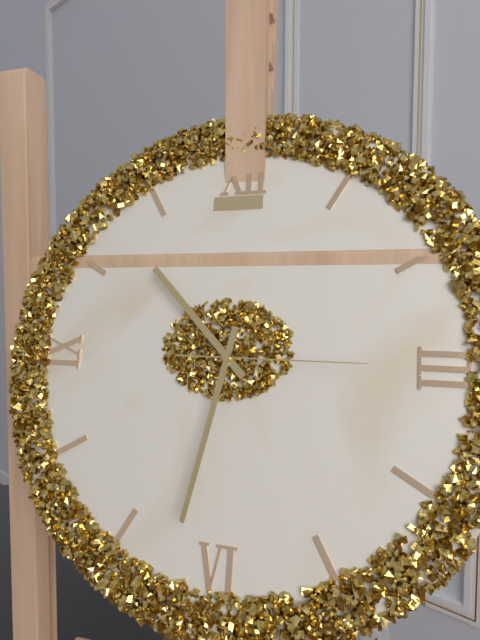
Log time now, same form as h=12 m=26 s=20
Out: h=10 m=32 s=15
